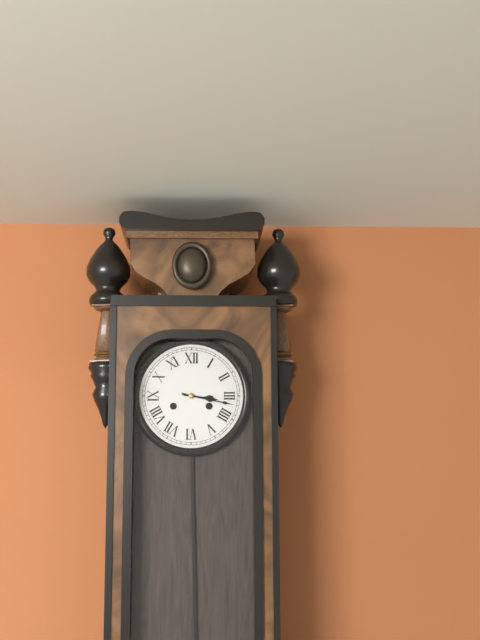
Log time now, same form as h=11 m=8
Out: h=3 m=17
